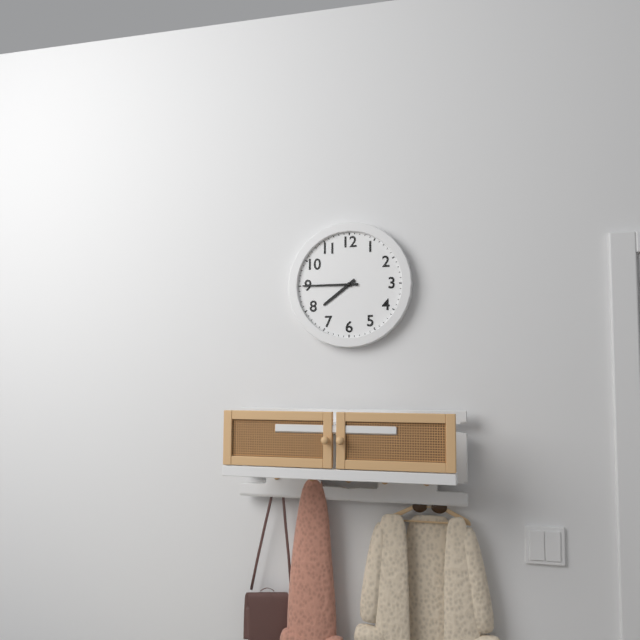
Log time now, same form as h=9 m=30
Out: h=7 m=45
